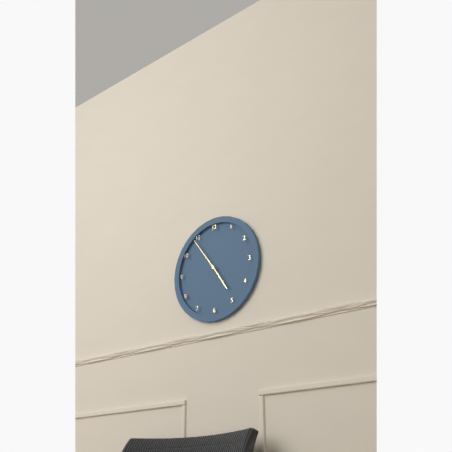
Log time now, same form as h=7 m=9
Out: h=4 m=54
